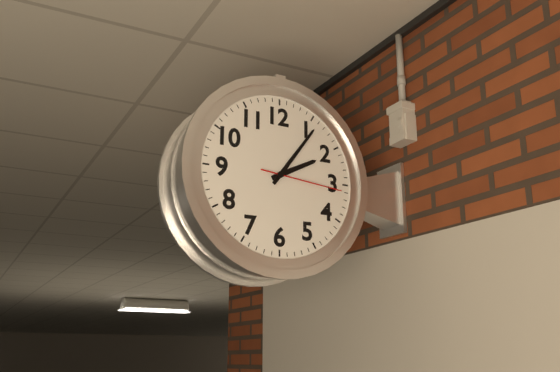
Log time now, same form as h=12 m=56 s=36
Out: h=2 m=6 s=16
